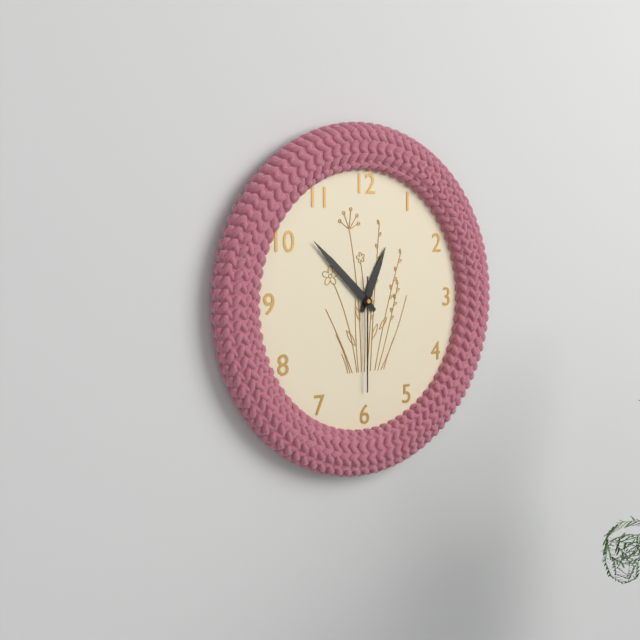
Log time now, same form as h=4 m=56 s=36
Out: h=12 m=52 s=30
